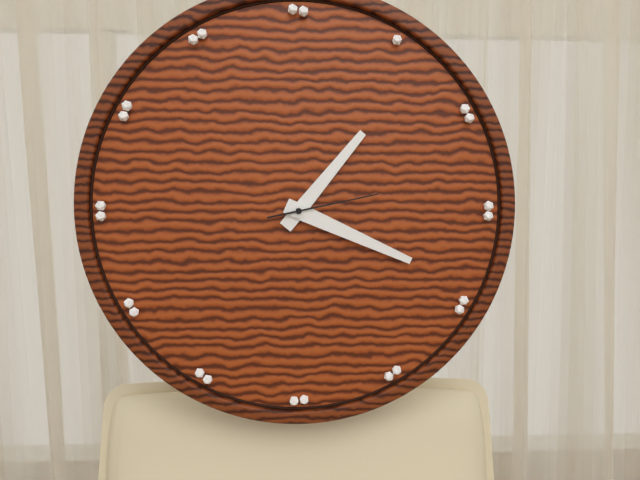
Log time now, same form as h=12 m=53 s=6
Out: h=1 m=19 s=13
